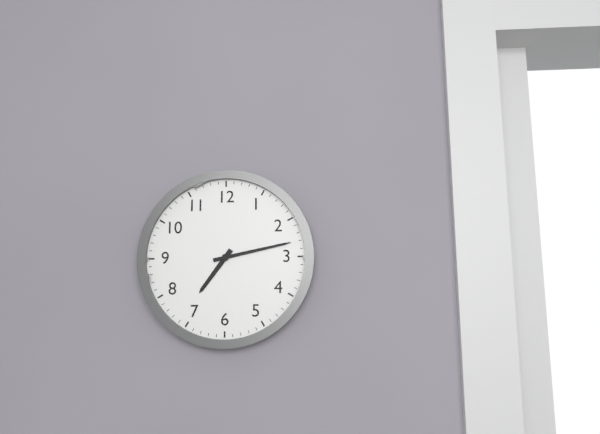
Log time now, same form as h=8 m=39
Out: h=7 m=13
